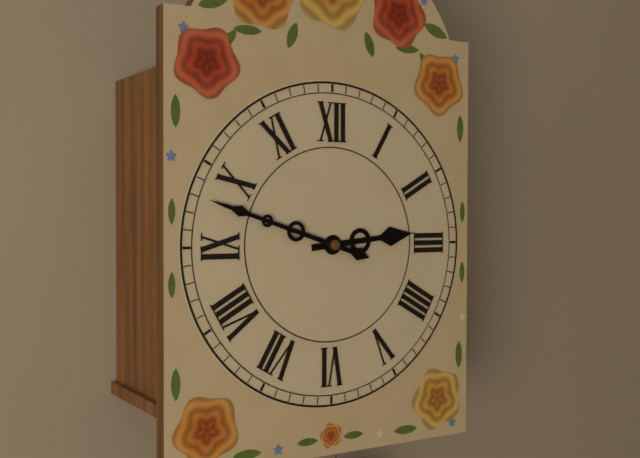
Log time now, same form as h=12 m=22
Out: h=2 m=48
